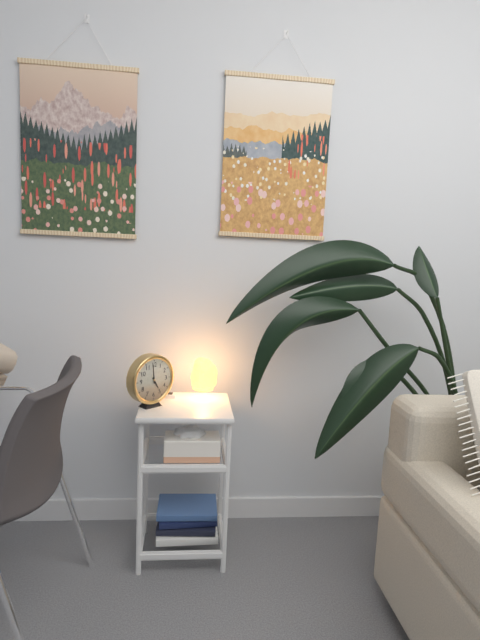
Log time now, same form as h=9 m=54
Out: h=4 m=59
